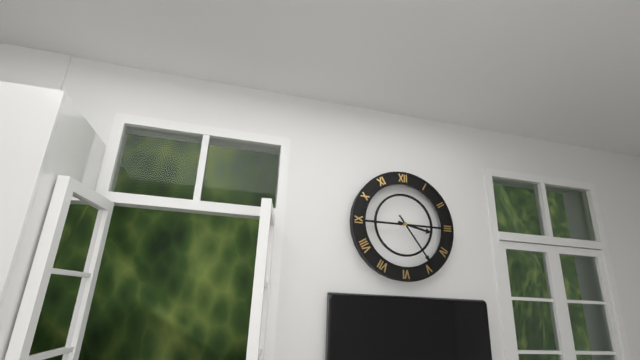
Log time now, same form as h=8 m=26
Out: h=3 m=24
